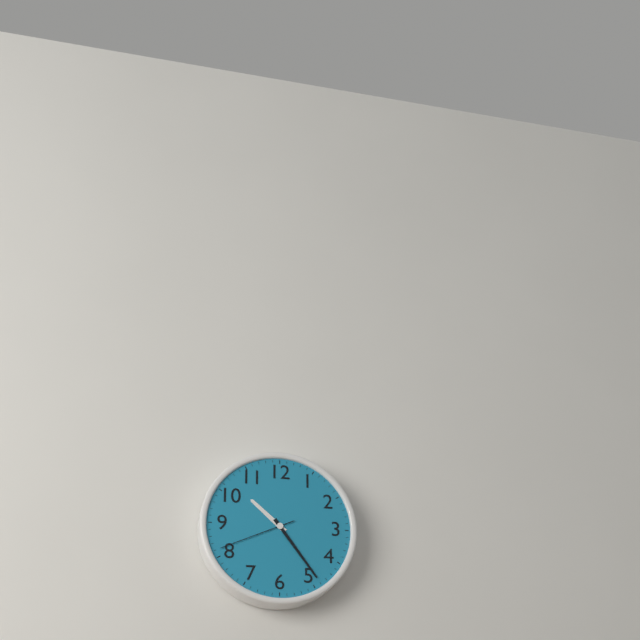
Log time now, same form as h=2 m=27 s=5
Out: h=10 m=24 s=41
